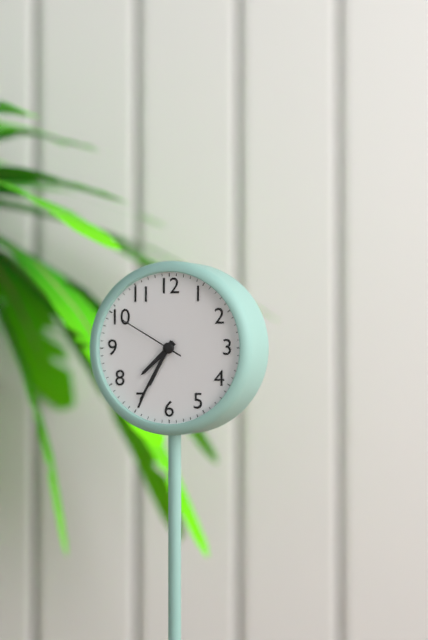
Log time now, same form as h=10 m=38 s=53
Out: h=7 m=35 s=50
